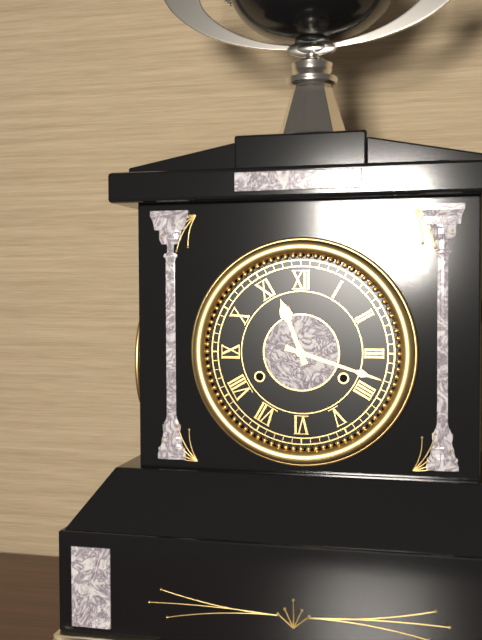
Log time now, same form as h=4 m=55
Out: h=11 m=18
